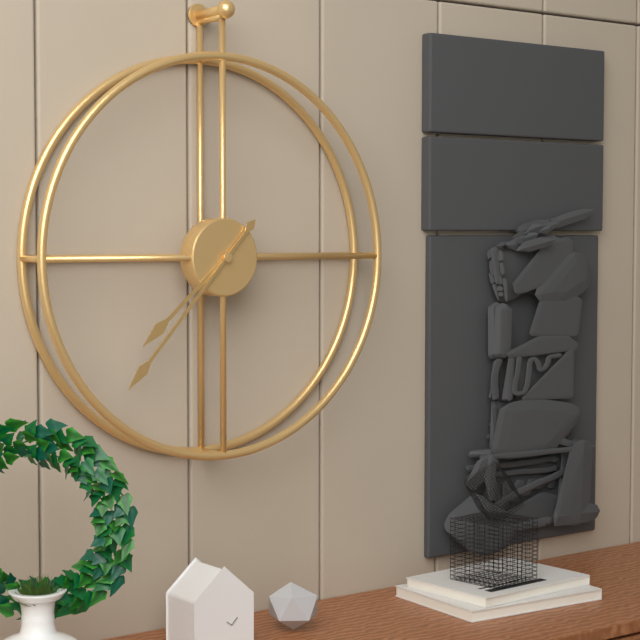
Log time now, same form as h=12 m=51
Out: h=7 m=37
